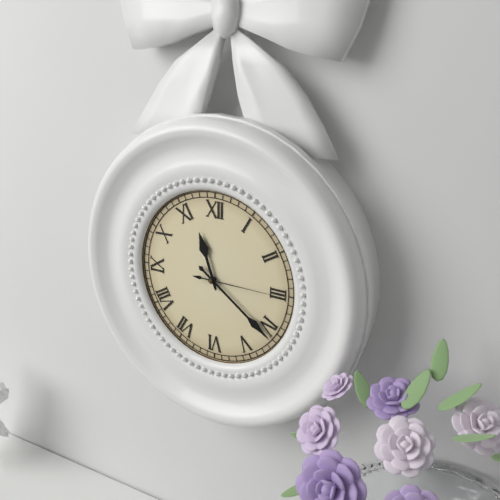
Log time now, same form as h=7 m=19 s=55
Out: h=11 m=21 s=15
